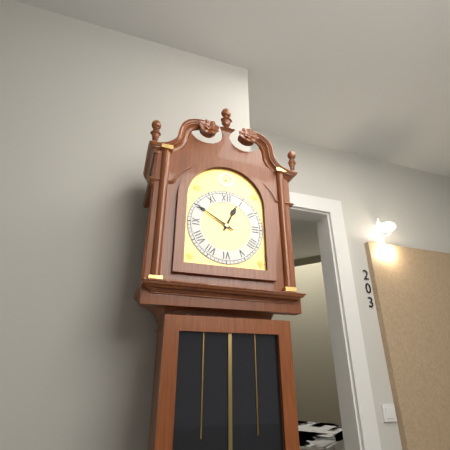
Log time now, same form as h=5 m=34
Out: h=12 m=50
